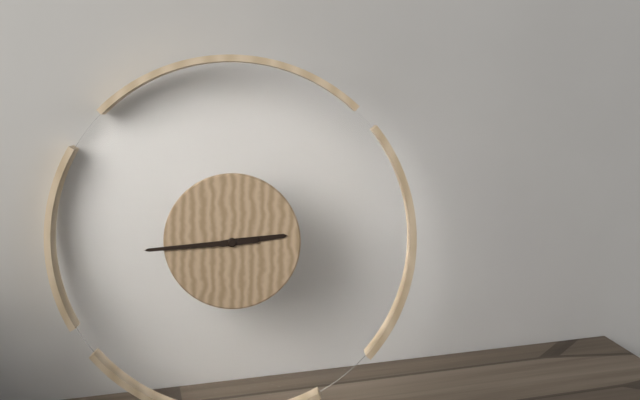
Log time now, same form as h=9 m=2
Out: h=2 m=44
